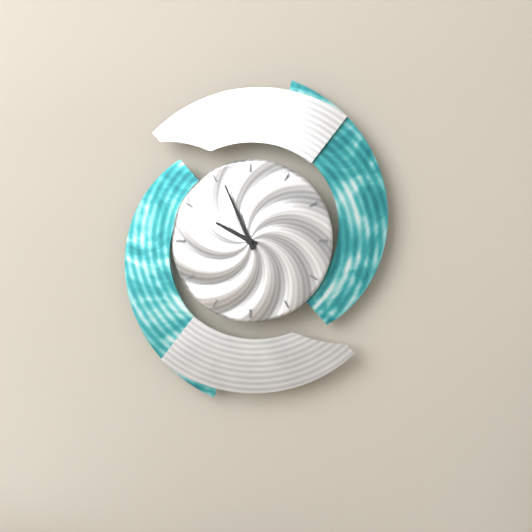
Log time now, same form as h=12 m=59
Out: h=9 m=56
